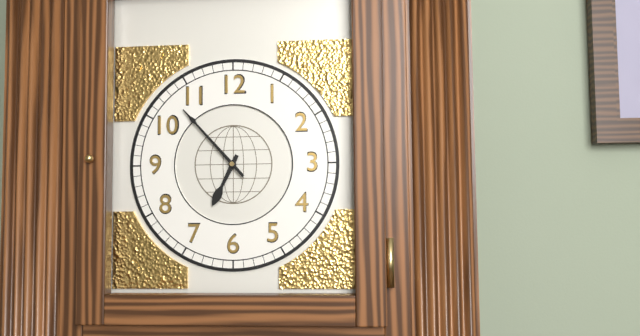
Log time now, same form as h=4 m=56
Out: h=6 m=53
